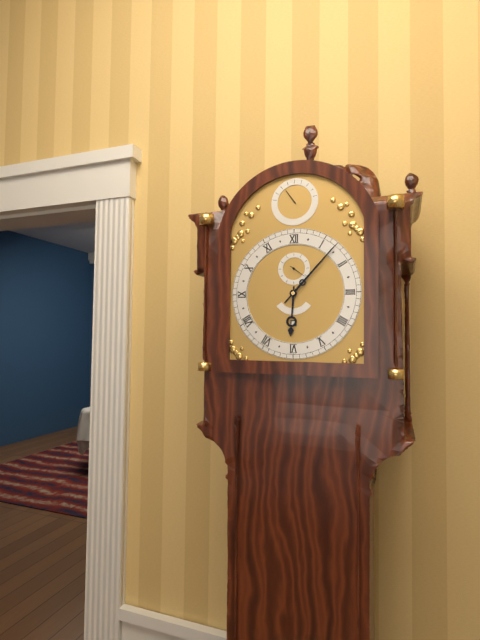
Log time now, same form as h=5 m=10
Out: h=6 m=7
